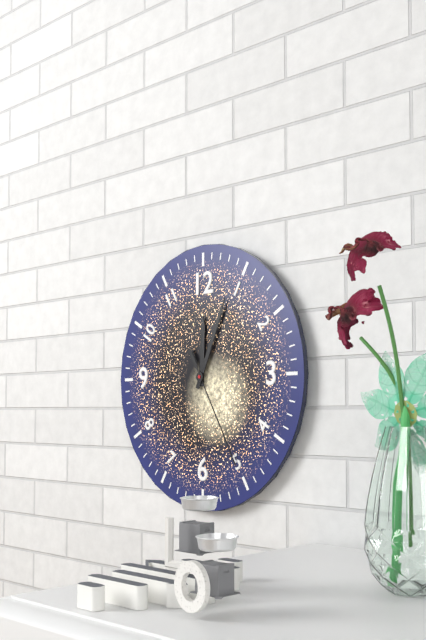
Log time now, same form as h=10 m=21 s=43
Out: h=12 m=4 s=25
